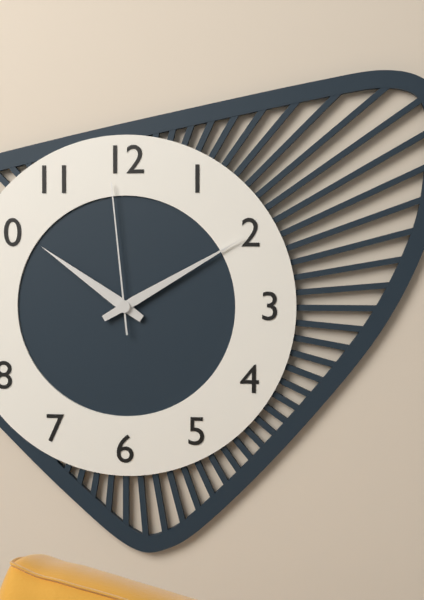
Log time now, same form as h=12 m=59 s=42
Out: h=10 m=10 s=59
